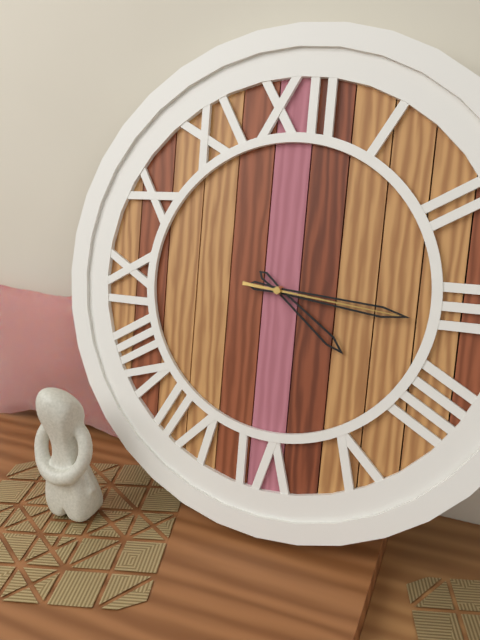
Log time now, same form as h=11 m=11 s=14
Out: h=4 m=16 s=16
